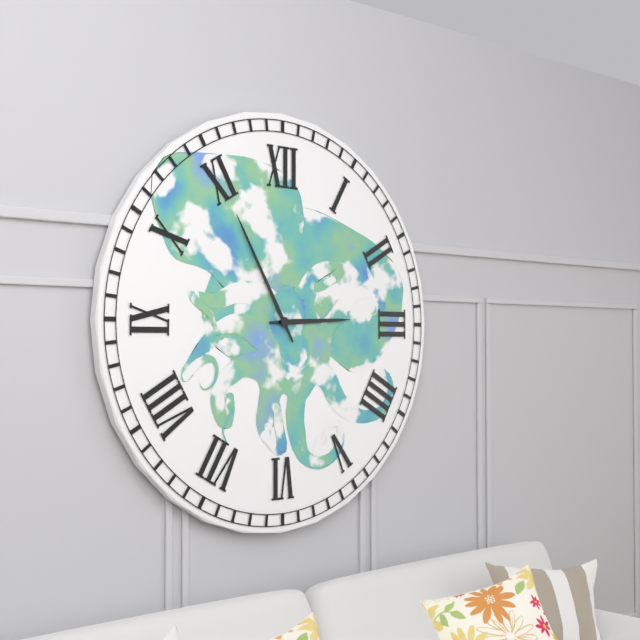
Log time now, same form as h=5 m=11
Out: h=2 m=55
